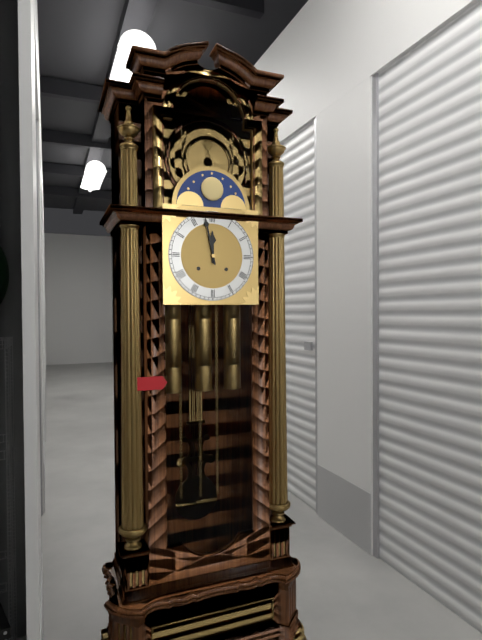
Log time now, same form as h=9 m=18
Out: h=11 m=58
